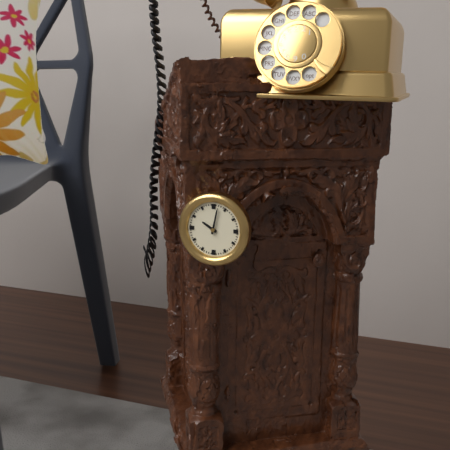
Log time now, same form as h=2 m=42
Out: h=10 m=2
